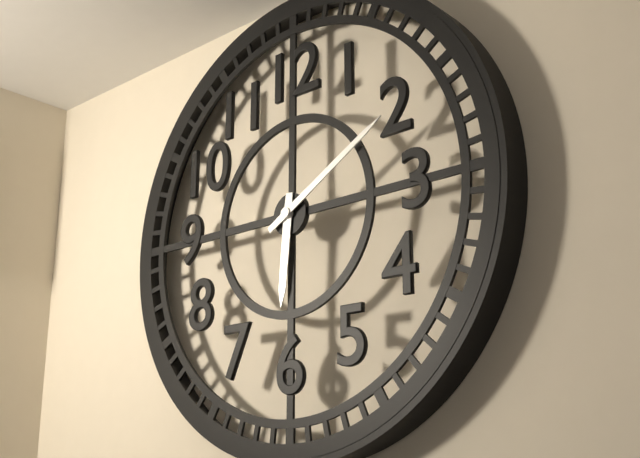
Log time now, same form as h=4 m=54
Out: h=6 m=10
